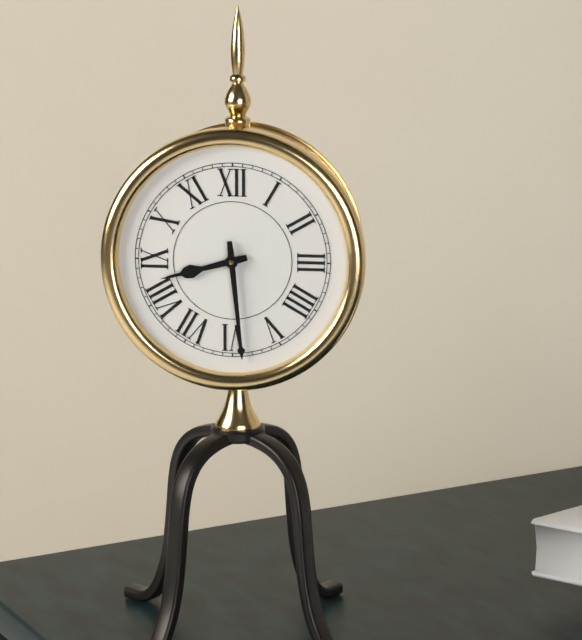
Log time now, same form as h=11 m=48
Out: h=8 m=29
